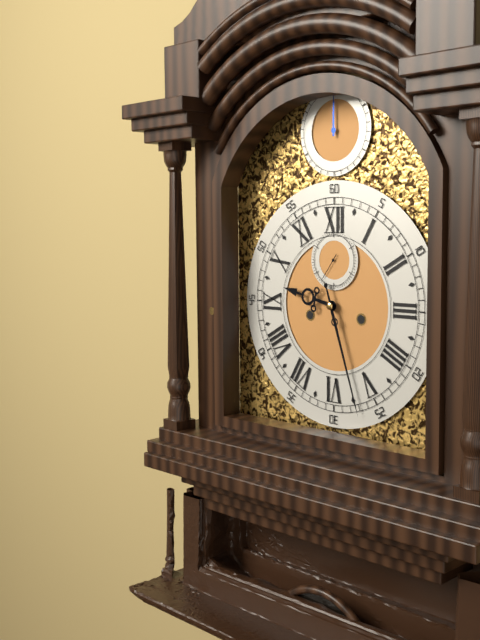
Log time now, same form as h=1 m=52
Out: h=9 m=27
